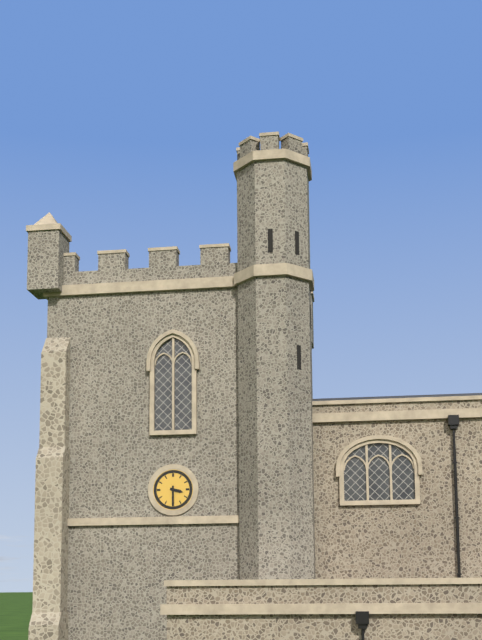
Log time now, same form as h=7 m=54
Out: h=3 m=30
